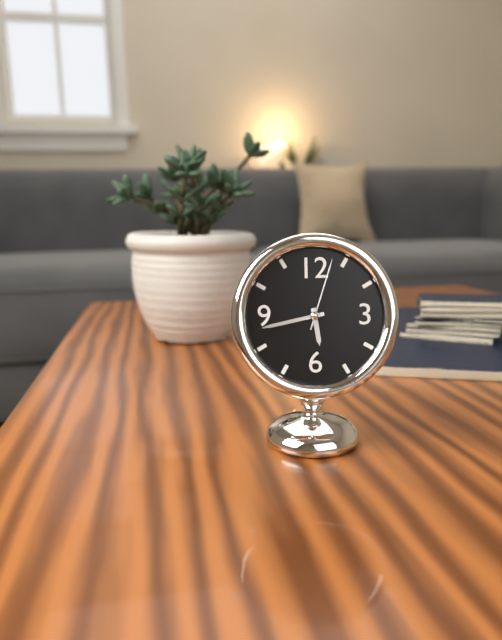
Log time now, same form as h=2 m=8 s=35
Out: h=5 m=43 s=3
